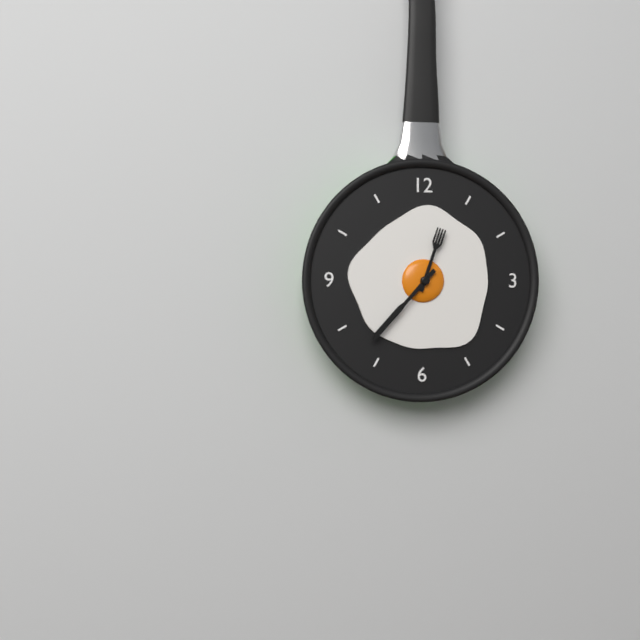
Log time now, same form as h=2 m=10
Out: h=12 m=37
